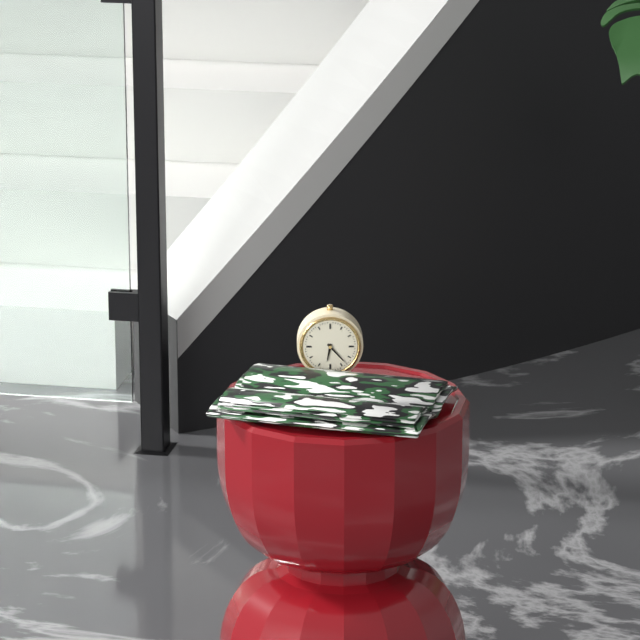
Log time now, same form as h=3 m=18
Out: h=6 m=23
